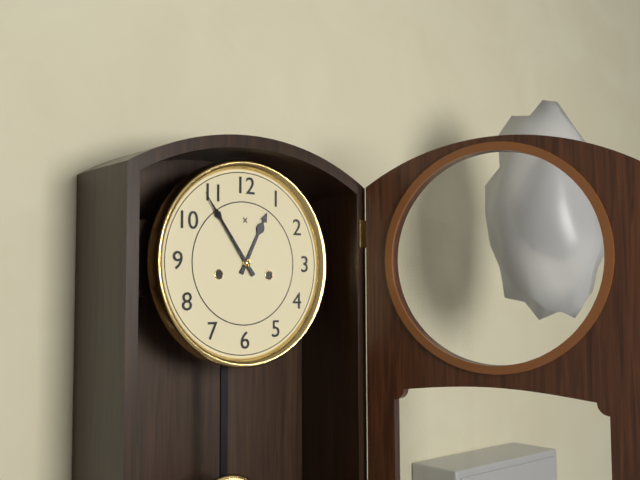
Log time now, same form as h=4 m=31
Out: h=12 m=54
